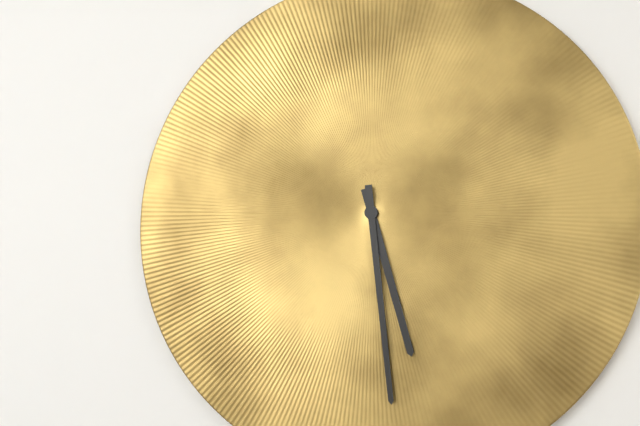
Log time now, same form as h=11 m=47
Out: h=5 m=29
